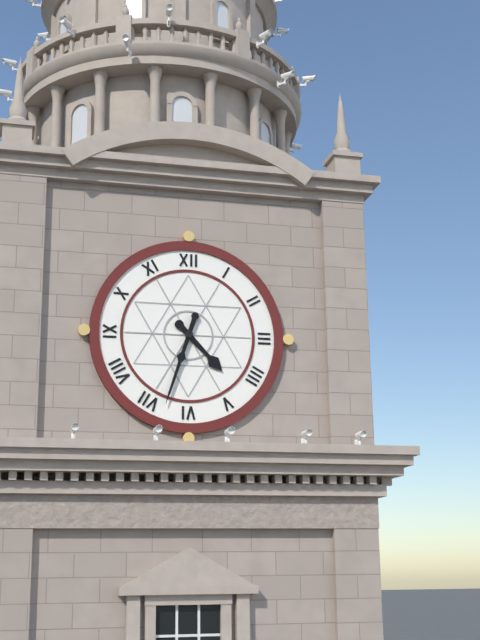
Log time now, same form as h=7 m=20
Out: h=4 m=33
